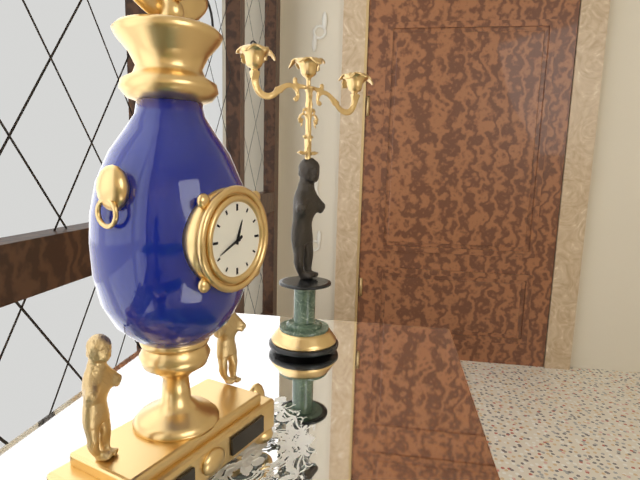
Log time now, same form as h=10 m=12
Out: h=12 m=41
